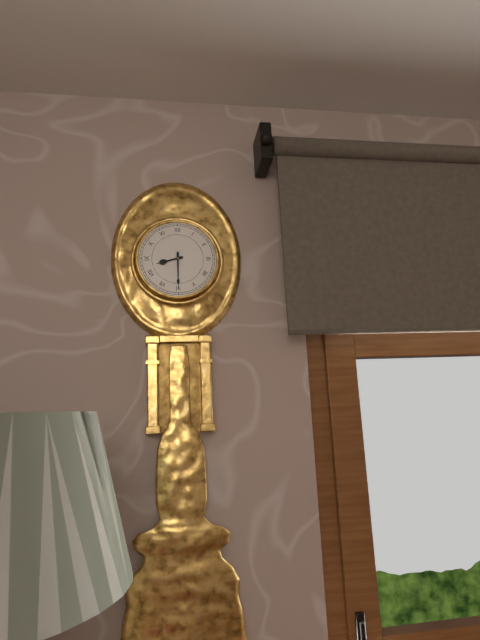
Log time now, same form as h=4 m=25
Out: h=8 m=30
